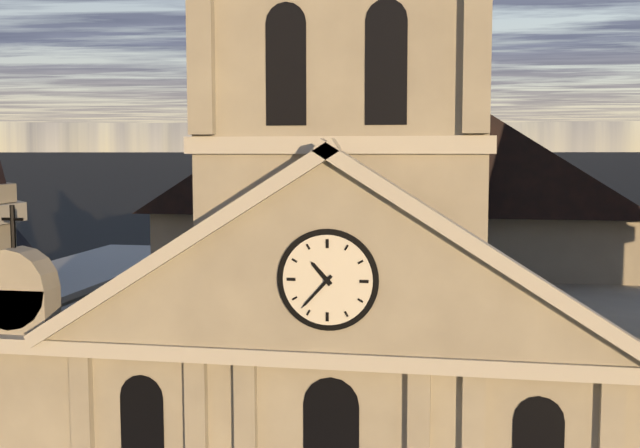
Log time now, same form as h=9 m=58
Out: h=10 m=37
